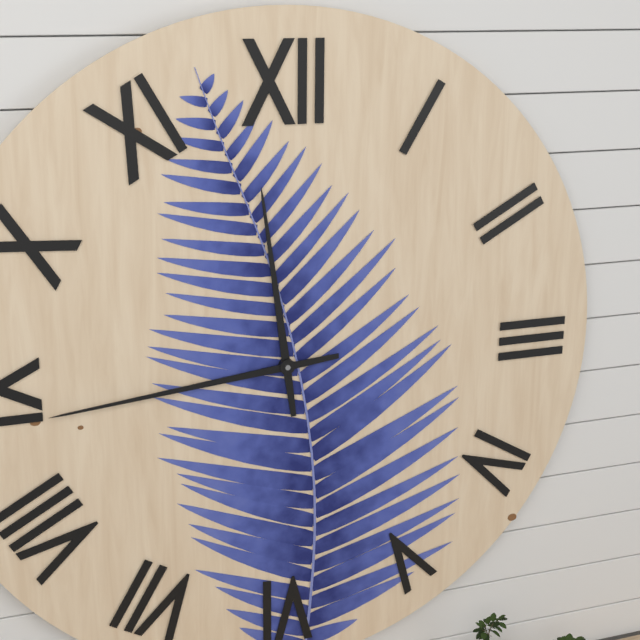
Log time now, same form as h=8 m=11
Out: h=11 m=44
